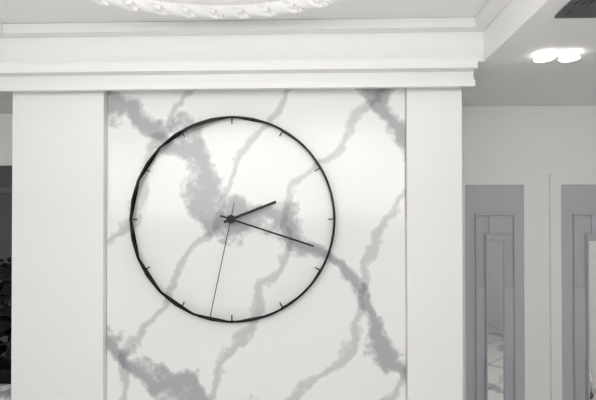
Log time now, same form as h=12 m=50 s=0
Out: h=2 m=18 s=32
